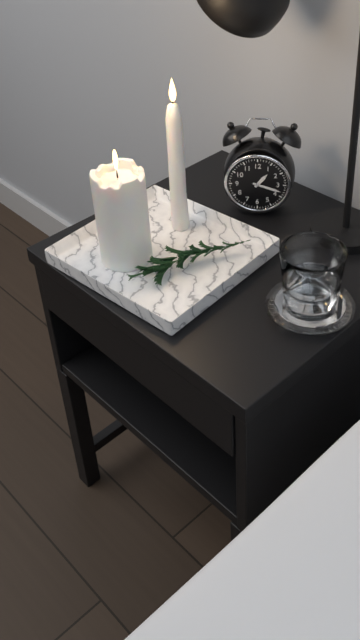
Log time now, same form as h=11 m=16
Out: h=1 m=18
